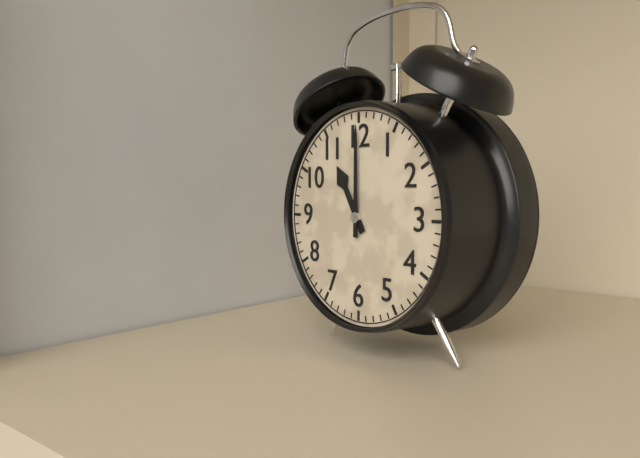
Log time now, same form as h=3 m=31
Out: h=11 m=0
